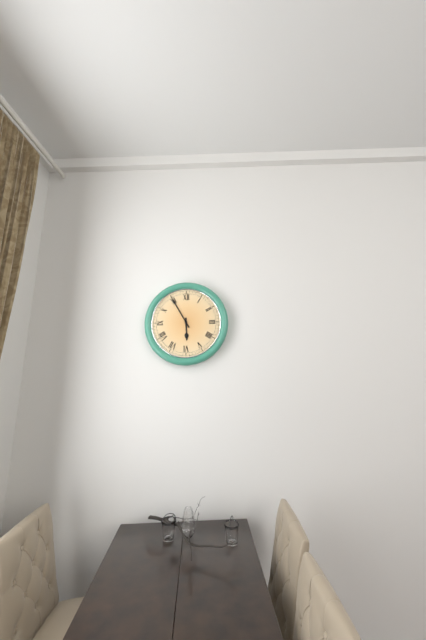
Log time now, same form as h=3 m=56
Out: h=5 m=55
